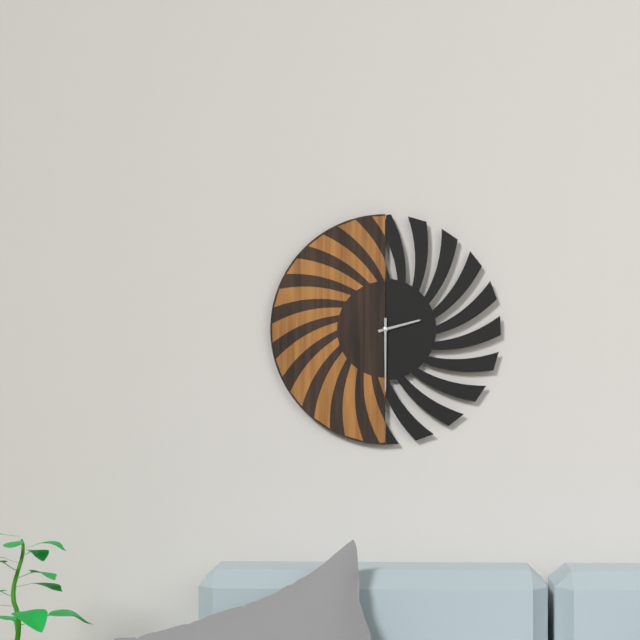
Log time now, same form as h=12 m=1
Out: h=2 m=30
